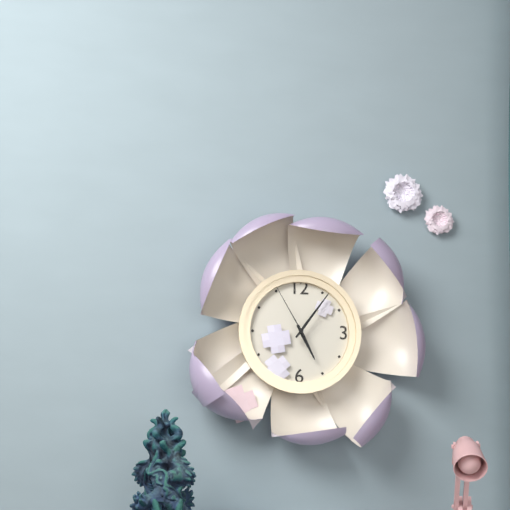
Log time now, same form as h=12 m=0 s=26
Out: h=5 m=6 s=55
